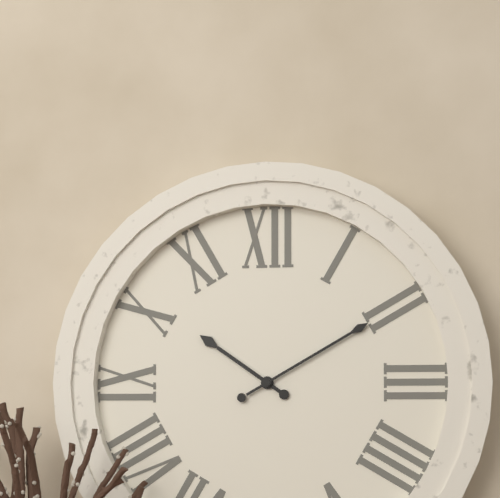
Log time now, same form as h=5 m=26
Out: h=10 m=10
